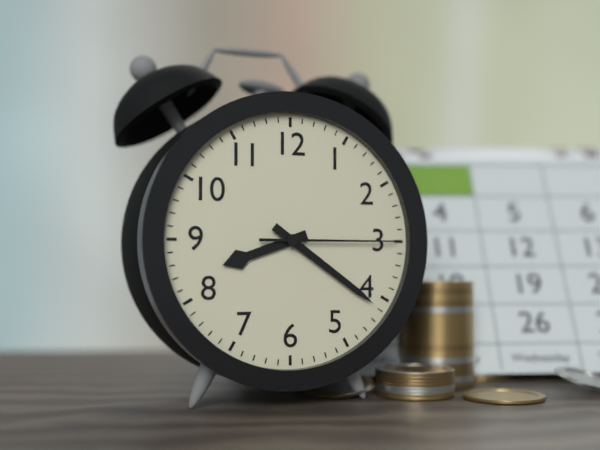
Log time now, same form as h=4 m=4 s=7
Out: h=8 m=21 s=15
